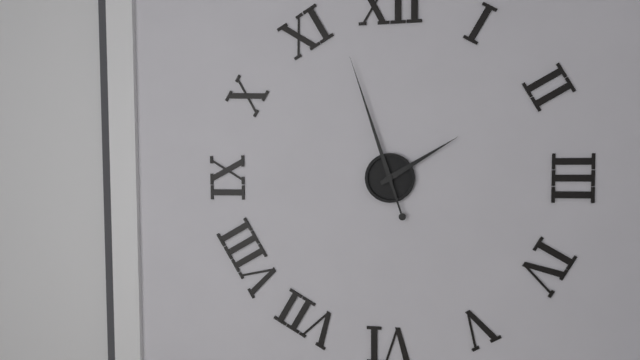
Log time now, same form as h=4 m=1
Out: h=1 m=57
